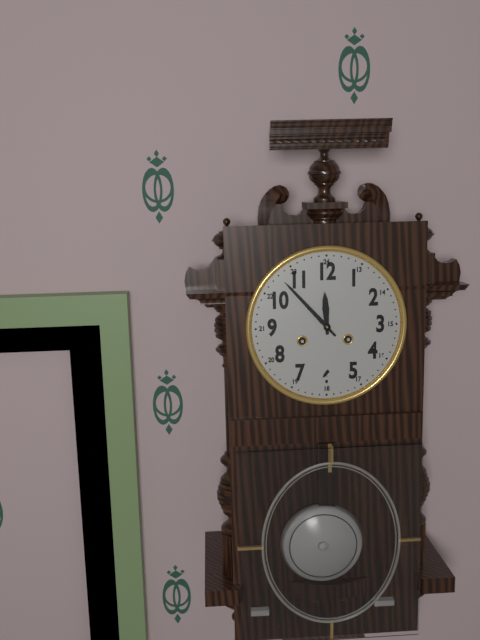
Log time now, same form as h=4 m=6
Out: h=11 m=53
